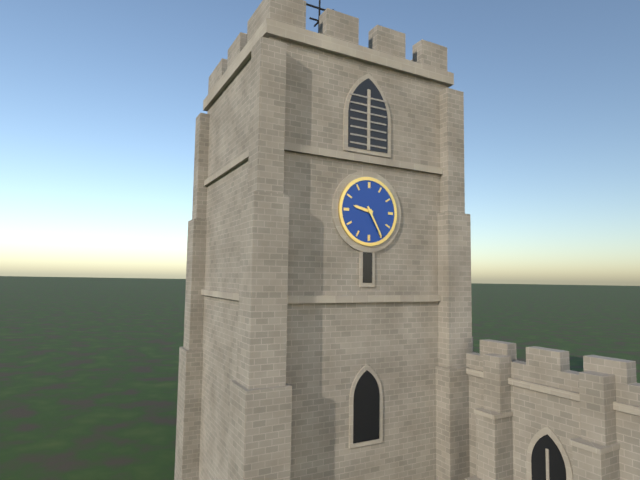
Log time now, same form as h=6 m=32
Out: h=9 m=25
